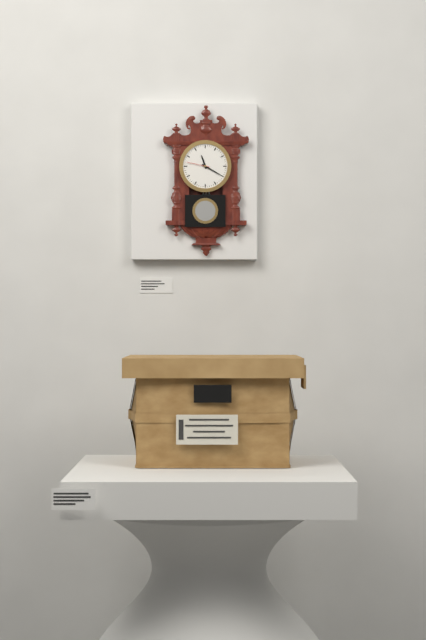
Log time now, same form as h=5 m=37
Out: h=11 m=20
